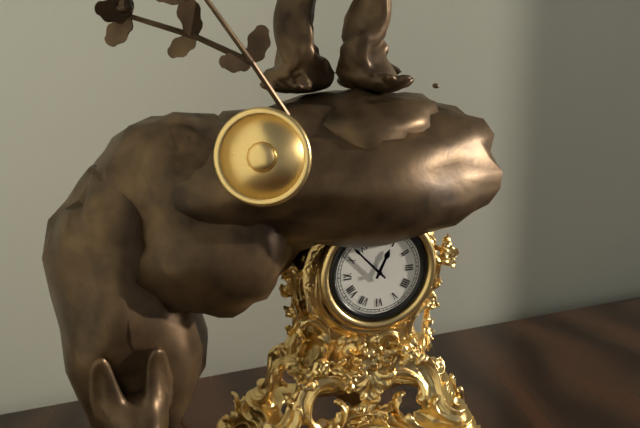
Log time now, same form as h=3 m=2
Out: h=12 m=53
